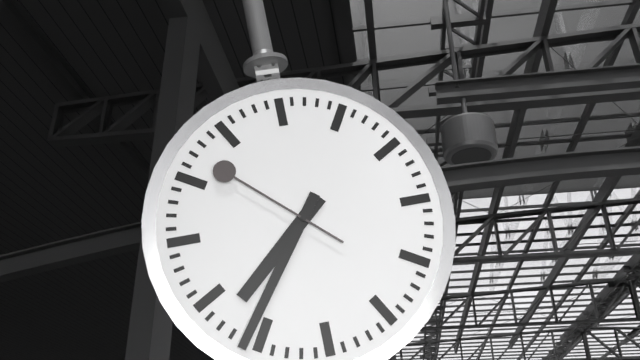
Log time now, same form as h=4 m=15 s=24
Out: h=7 m=36 s=52
